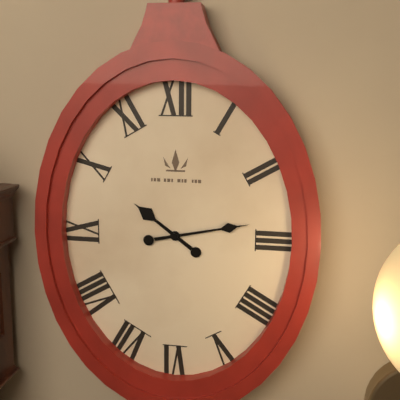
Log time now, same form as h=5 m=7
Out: h=10 m=13
